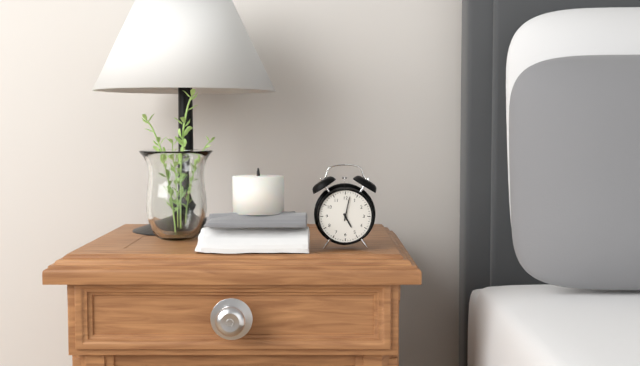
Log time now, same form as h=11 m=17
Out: h=5 m=2
